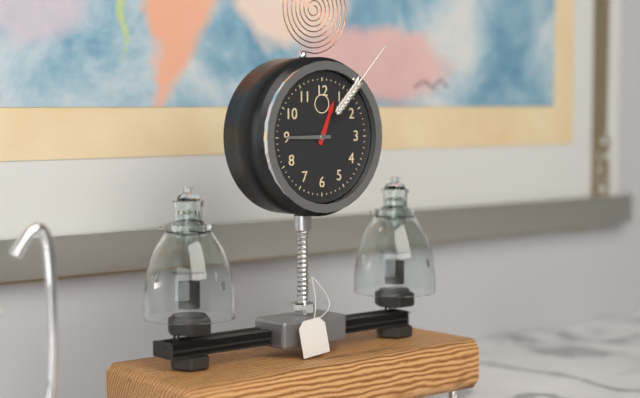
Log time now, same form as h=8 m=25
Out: h=12 m=45
